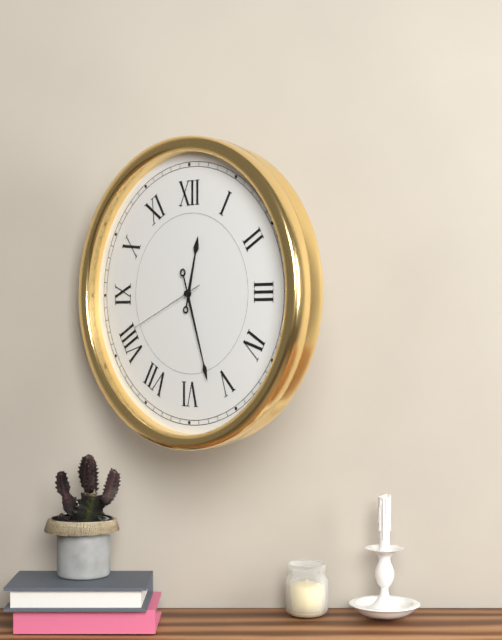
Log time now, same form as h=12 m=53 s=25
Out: h=12 m=27 s=41
